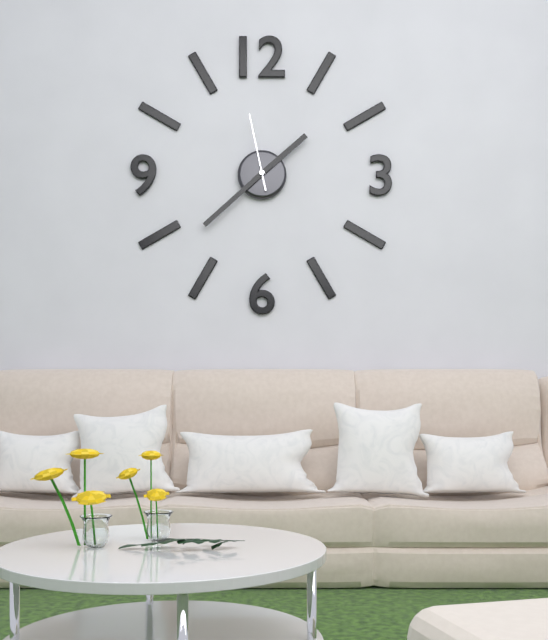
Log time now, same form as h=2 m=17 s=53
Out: h=1 m=38 s=58
